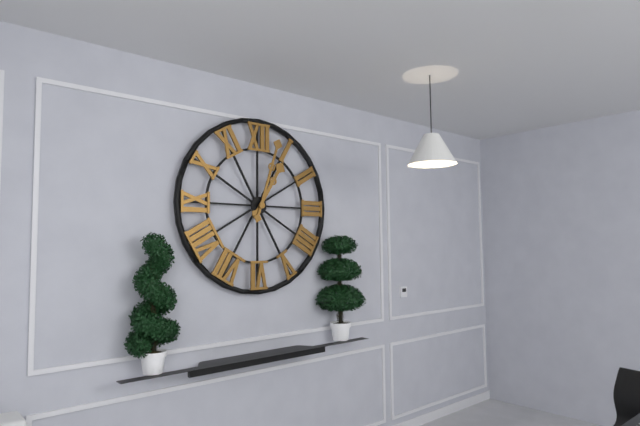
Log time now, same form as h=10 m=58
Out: h=1 m=3
